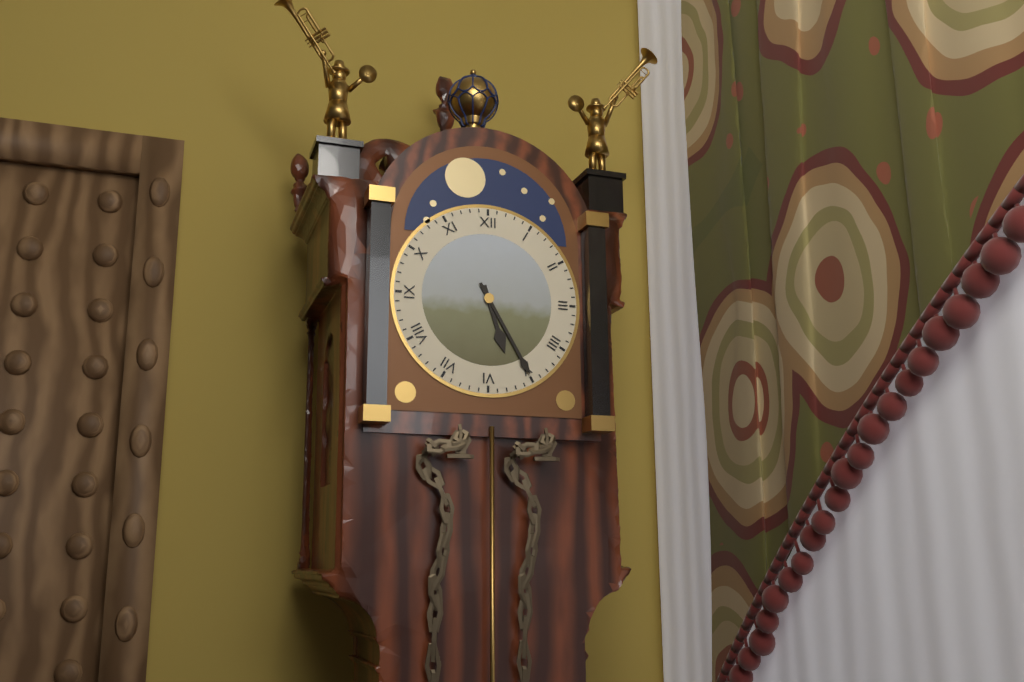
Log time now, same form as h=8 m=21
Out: h=5 m=25
